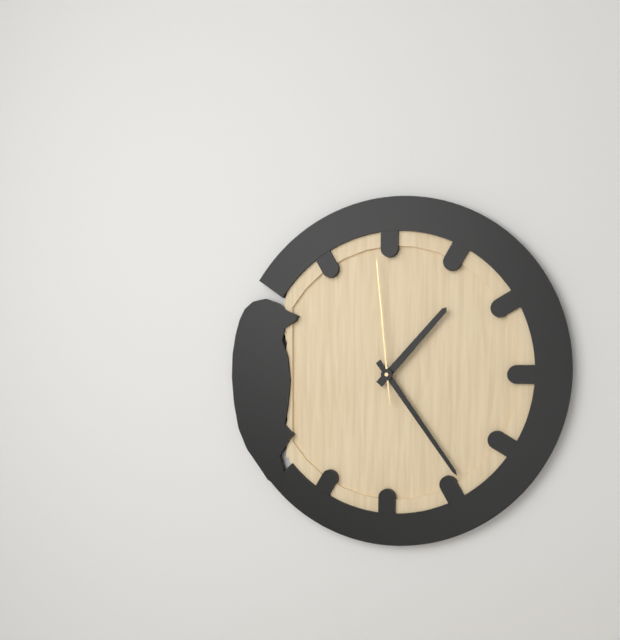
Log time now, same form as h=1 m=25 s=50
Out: h=1 m=24 s=59
